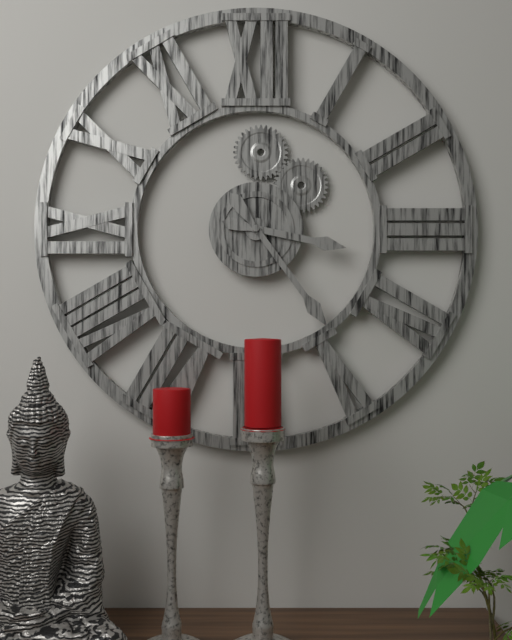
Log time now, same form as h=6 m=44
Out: h=3 m=24
